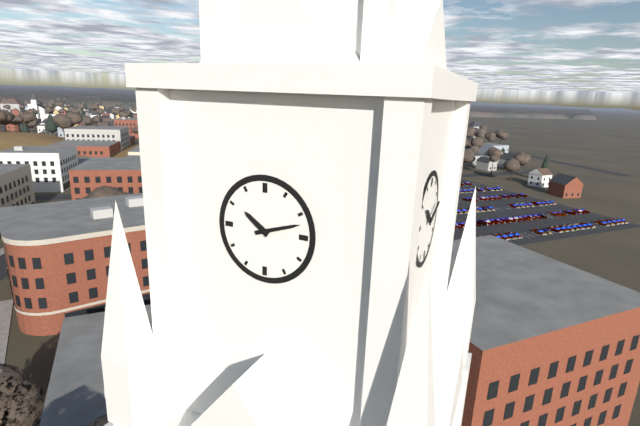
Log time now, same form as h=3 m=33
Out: h=10 m=12
